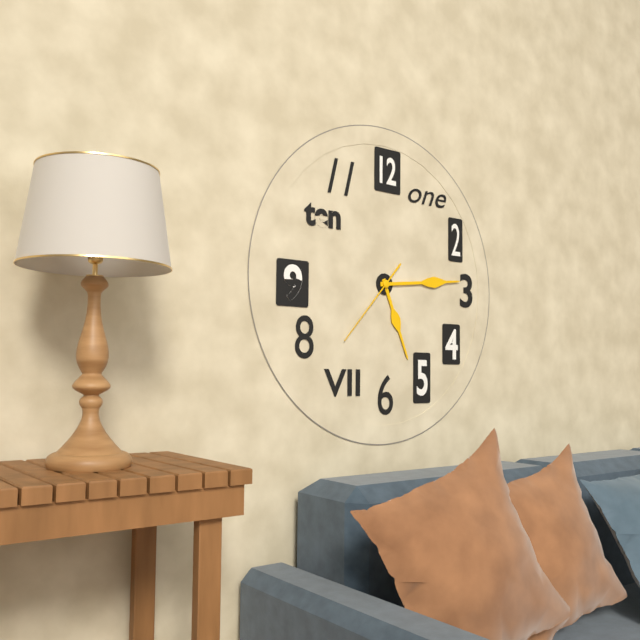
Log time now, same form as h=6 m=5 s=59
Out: h=5 m=14 s=37
